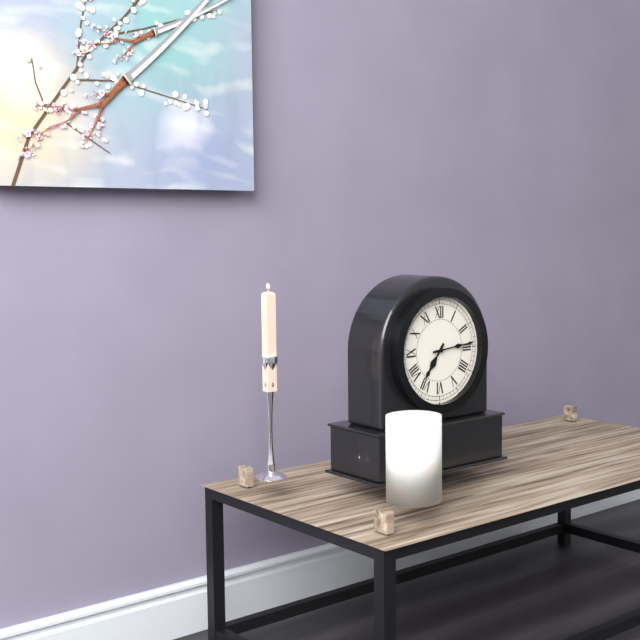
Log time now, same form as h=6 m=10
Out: h=7 m=14
